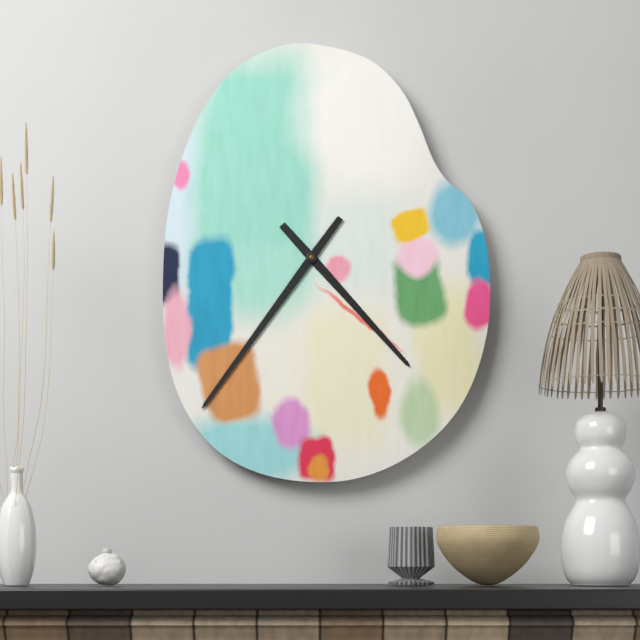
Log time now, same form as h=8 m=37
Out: h=4 m=36
